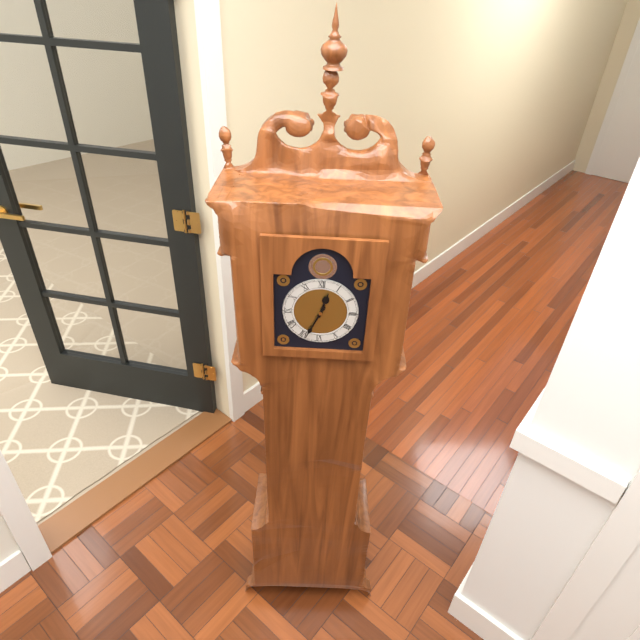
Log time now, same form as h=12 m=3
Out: h=12 m=34
